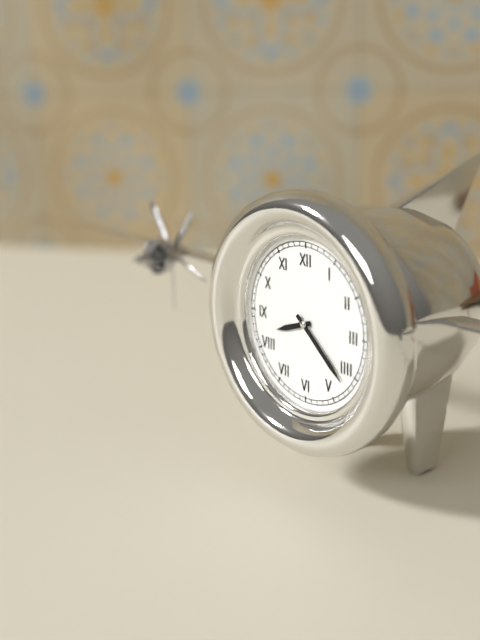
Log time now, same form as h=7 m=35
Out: h=8 m=22
